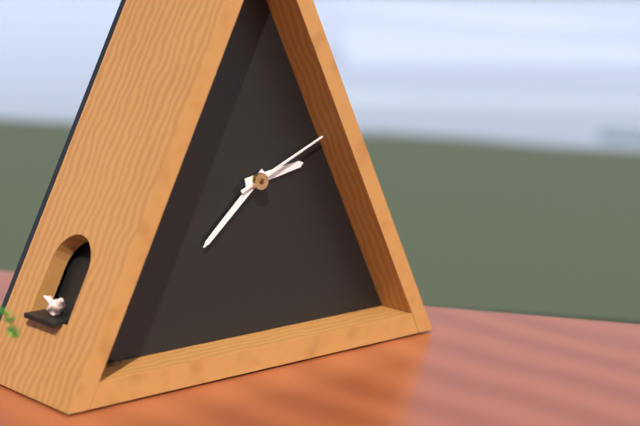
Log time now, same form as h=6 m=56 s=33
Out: h=2 m=38 s=11
